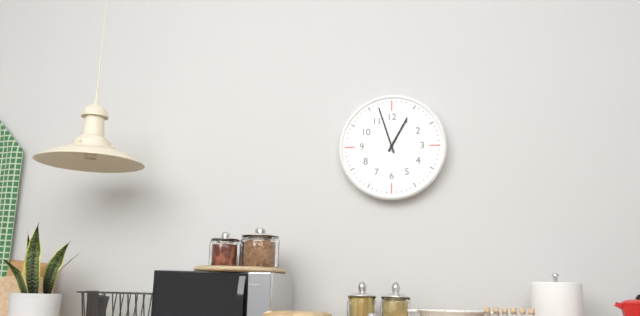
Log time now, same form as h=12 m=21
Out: h=12 m=57
